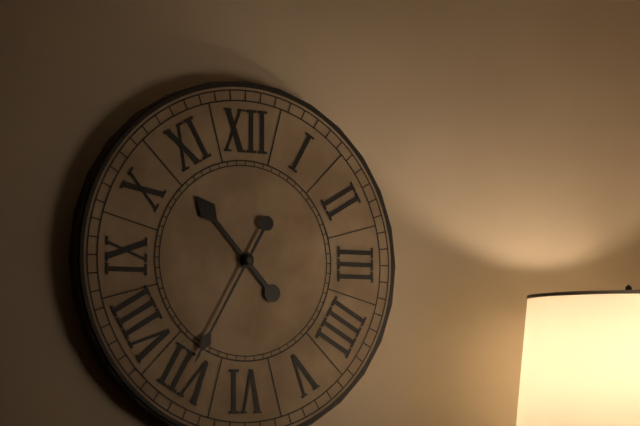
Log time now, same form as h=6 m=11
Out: h=10 m=35
